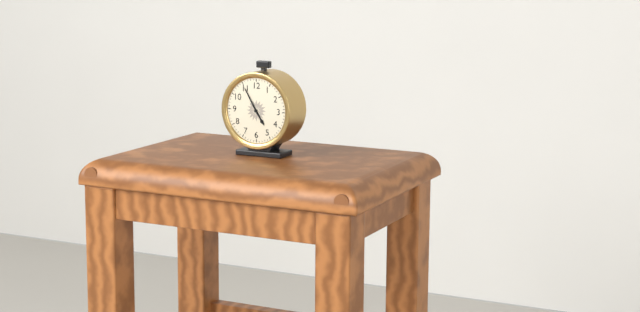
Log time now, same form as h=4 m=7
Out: h=4 m=55
